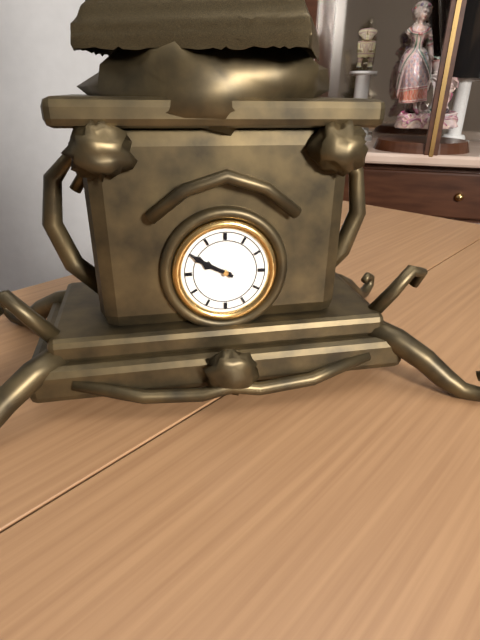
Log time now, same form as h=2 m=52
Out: h=9 m=50
